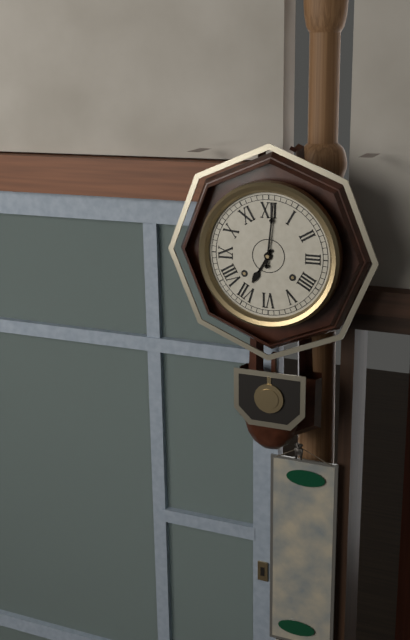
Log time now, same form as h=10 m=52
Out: h=7 m=1
